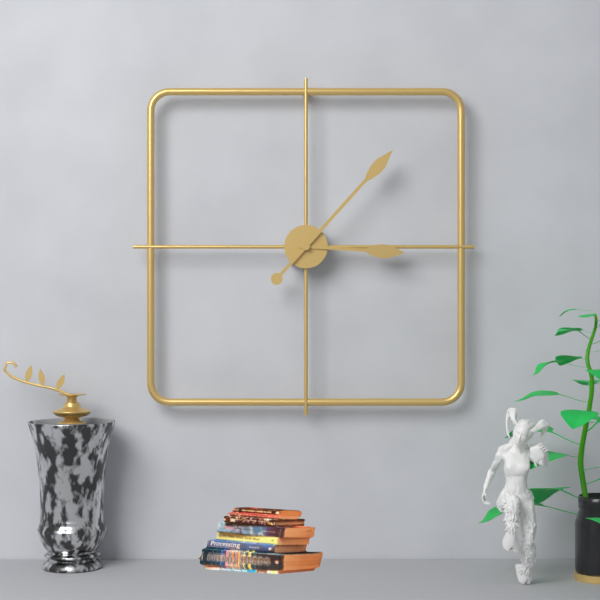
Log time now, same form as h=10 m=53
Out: h=3 m=7
